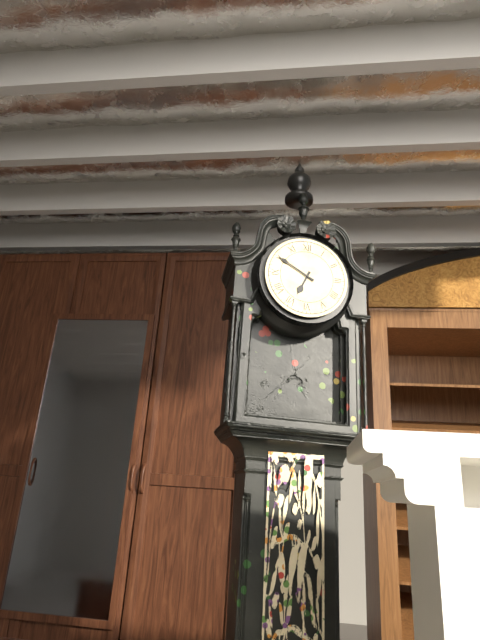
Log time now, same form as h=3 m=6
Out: h=6 m=50
